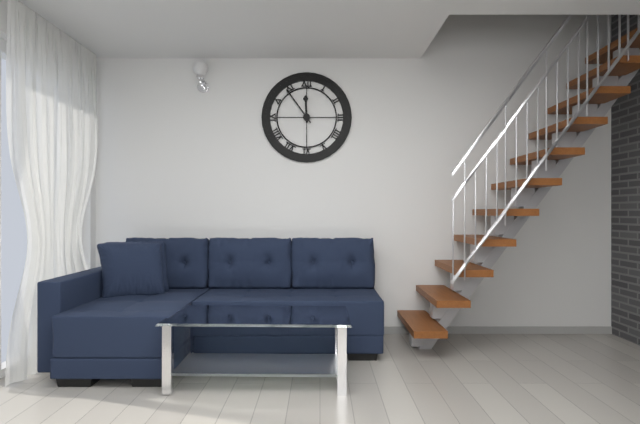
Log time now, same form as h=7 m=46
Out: h=11 m=54
